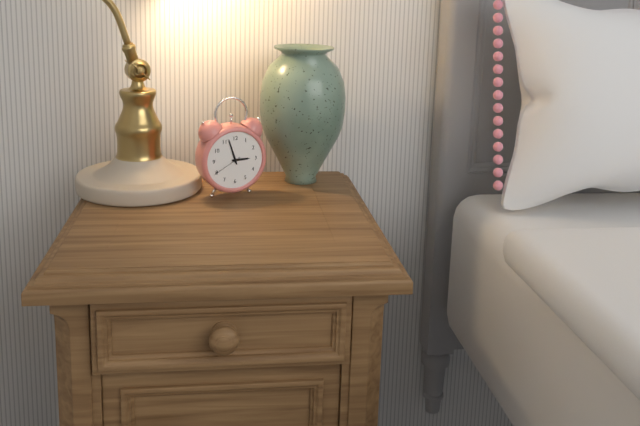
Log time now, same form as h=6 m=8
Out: h=2 m=57
